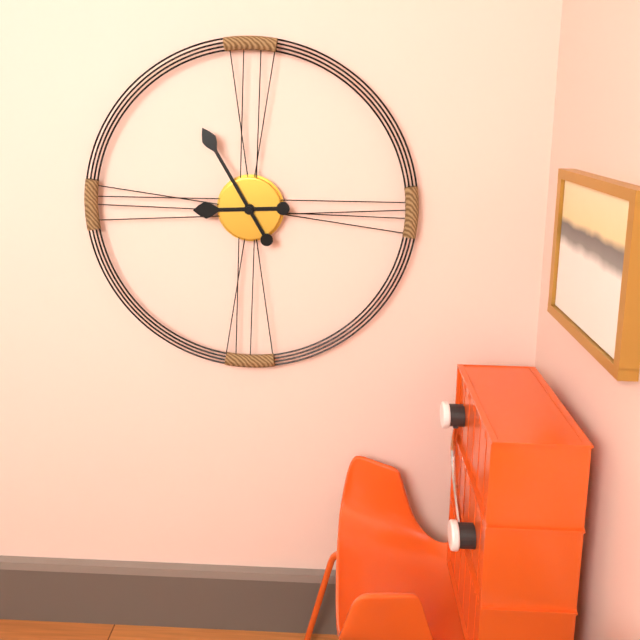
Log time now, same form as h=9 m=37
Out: h=8 m=55
